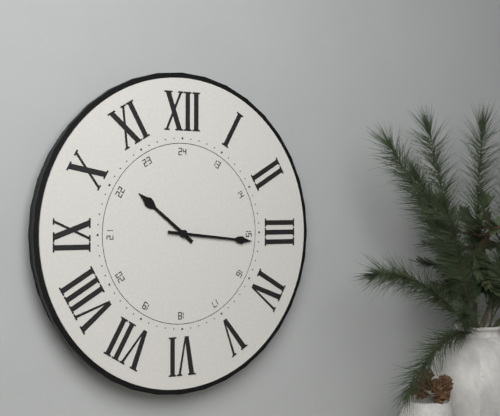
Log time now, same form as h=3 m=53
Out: h=10 m=16
